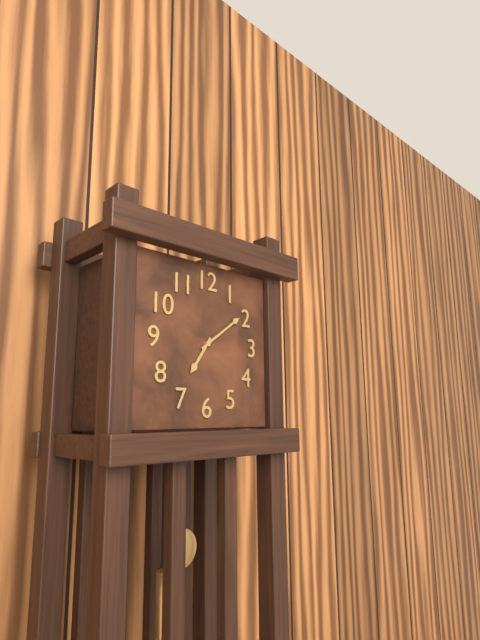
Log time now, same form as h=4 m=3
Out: h=7 m=9
